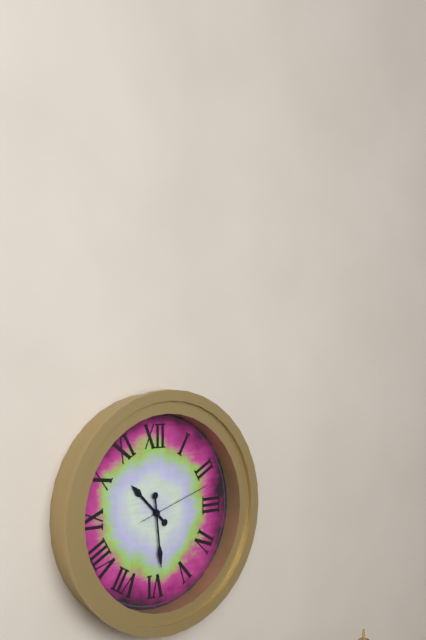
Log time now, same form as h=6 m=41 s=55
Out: h=10 m=29 s=12
